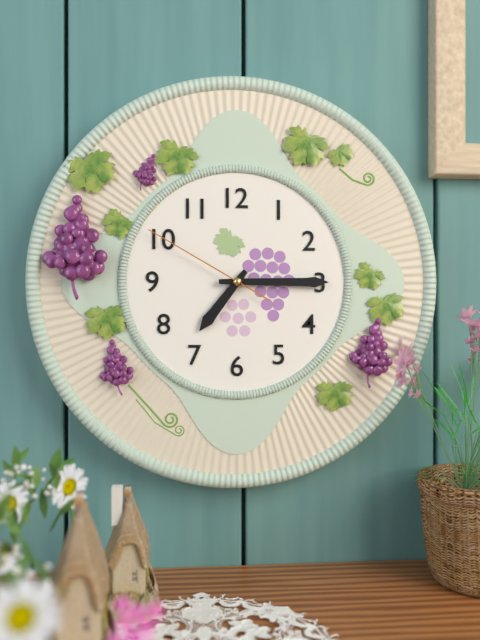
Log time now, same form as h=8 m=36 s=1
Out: h=7 m=15 s=50
